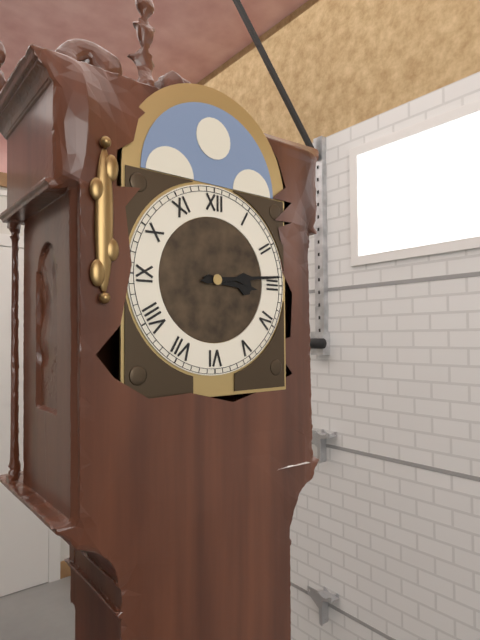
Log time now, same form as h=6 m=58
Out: h=3 m=14
